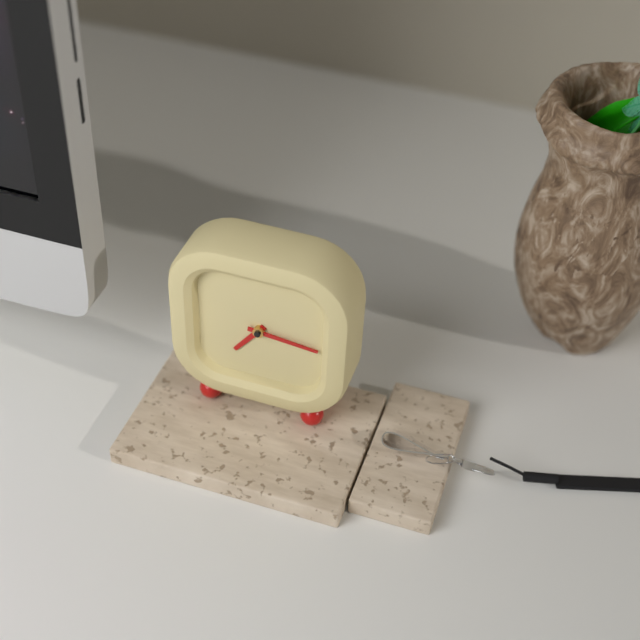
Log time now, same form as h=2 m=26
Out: h=7 m=16
